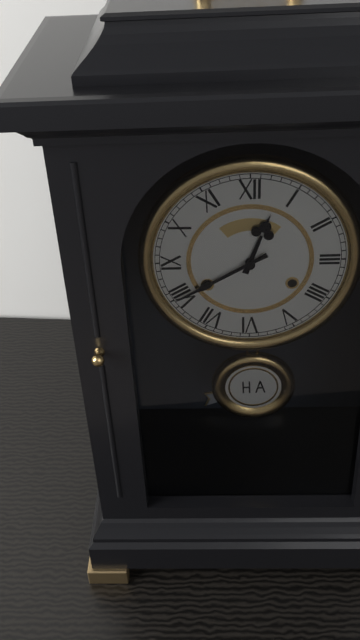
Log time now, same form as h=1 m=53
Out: h=12 m=40
